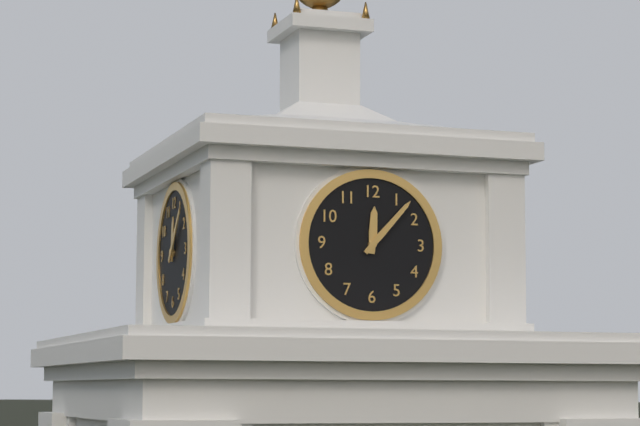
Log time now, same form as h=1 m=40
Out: h=12 m=7
